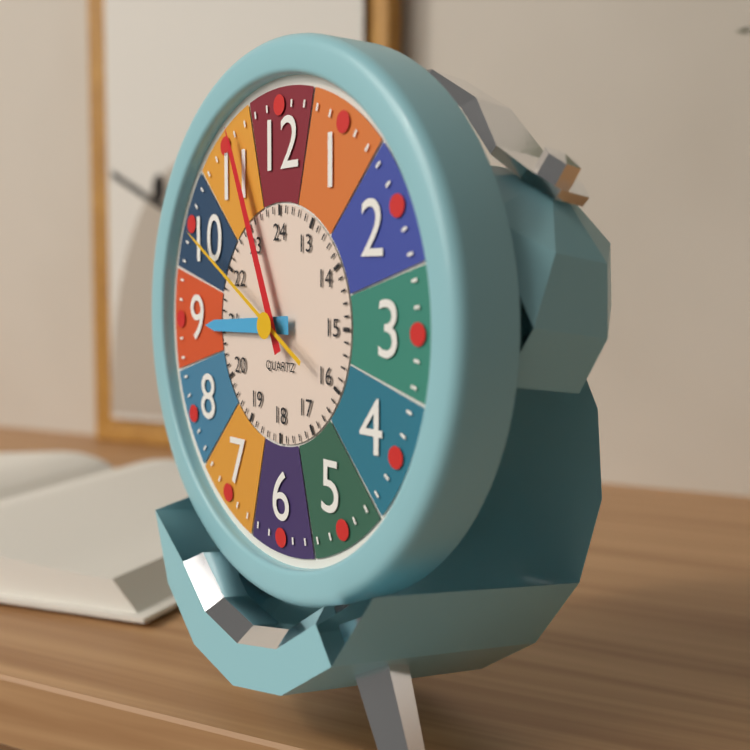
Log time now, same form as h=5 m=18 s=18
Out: h=8 m=56 s=50
